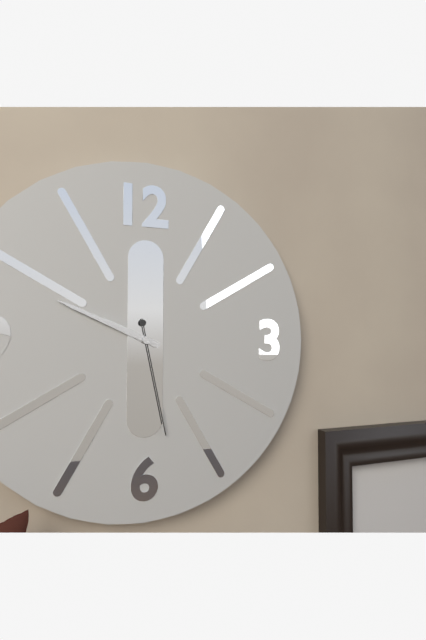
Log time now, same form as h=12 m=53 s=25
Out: h=9 m=49 s=28
